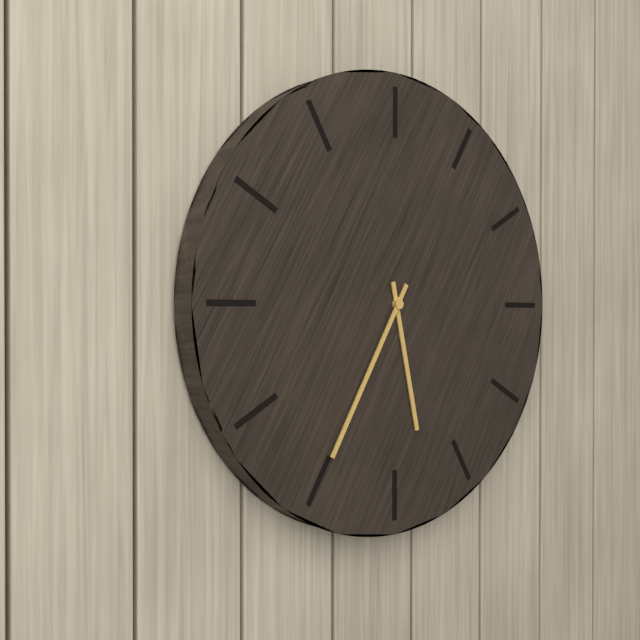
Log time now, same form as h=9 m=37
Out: h=5 m=35
